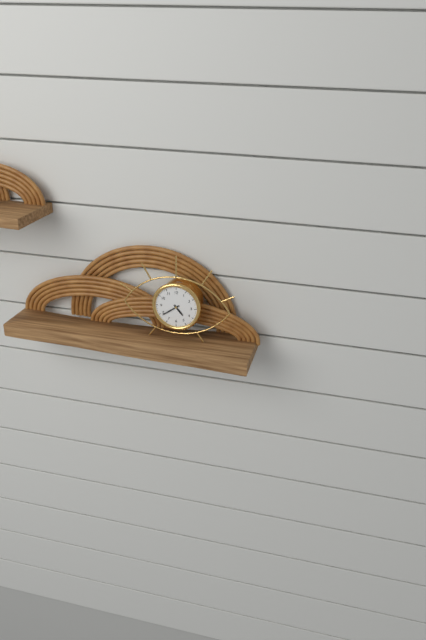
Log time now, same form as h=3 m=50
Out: h=4 m=39
